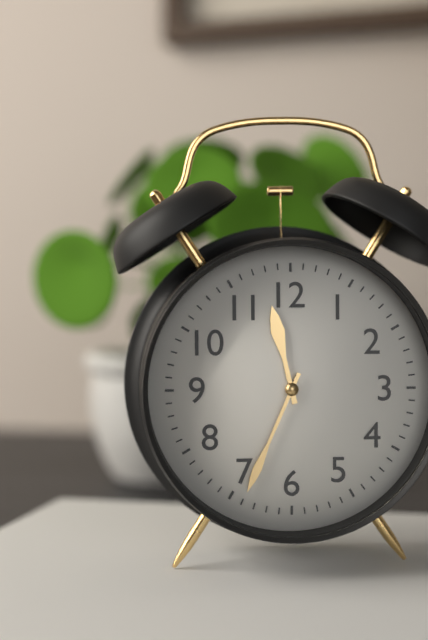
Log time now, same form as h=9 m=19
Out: h=11 m=34
